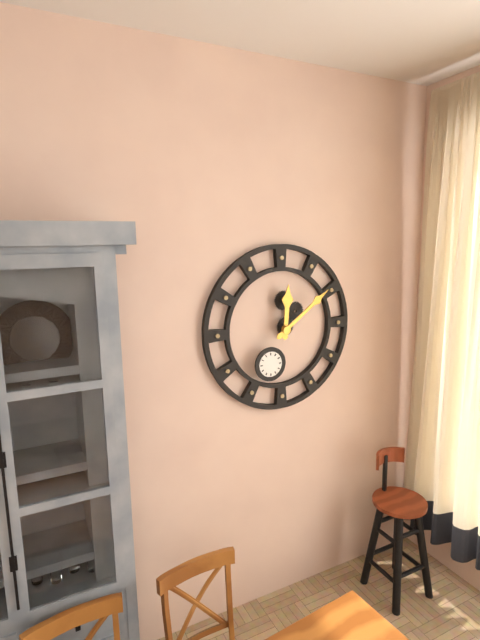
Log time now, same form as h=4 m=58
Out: h=12 m=9
